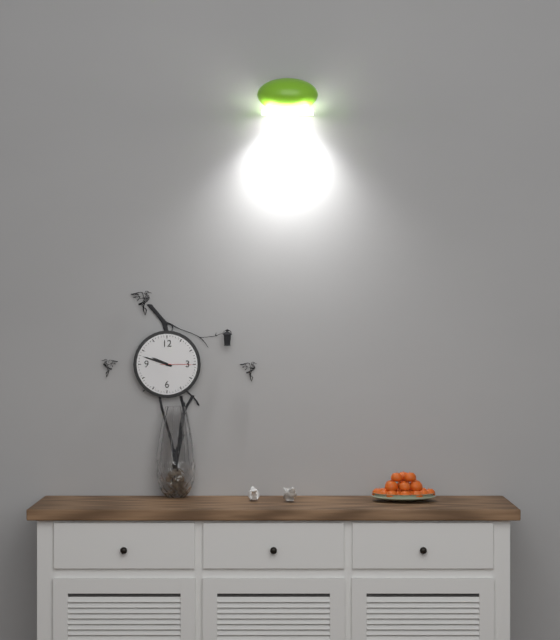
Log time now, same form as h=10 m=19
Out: h=9 m=48
